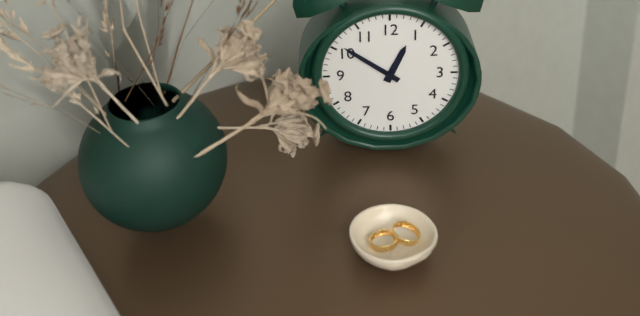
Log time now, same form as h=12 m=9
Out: h=12 m=51
